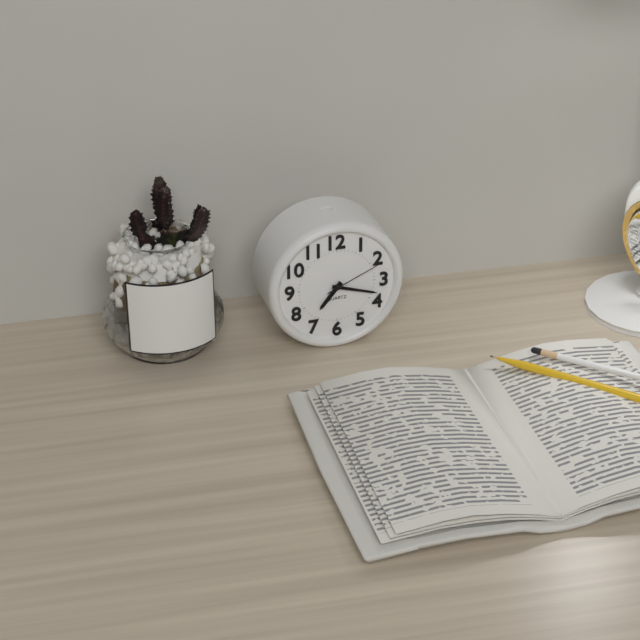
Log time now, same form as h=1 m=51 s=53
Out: h=7 m=18 s=11
